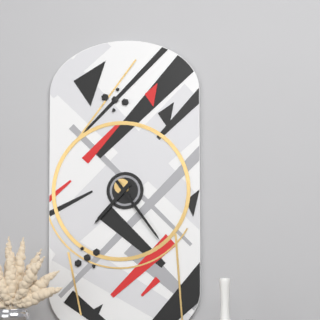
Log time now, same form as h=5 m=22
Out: h=7 m=24
